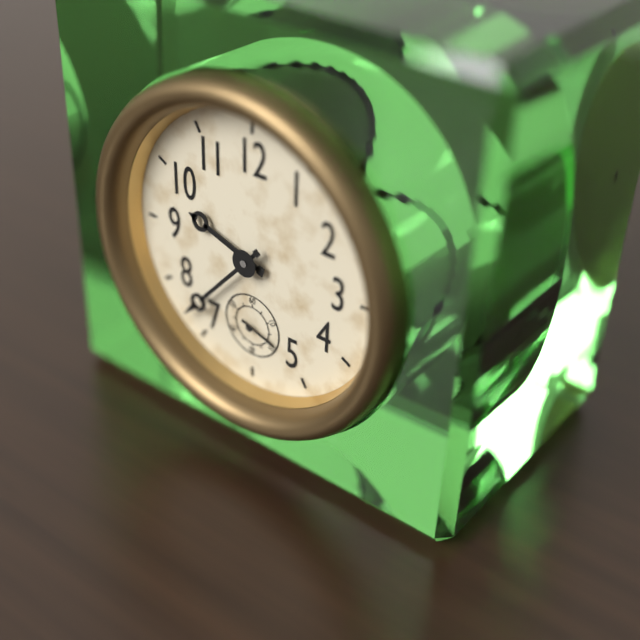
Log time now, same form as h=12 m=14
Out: h=9 m=37
